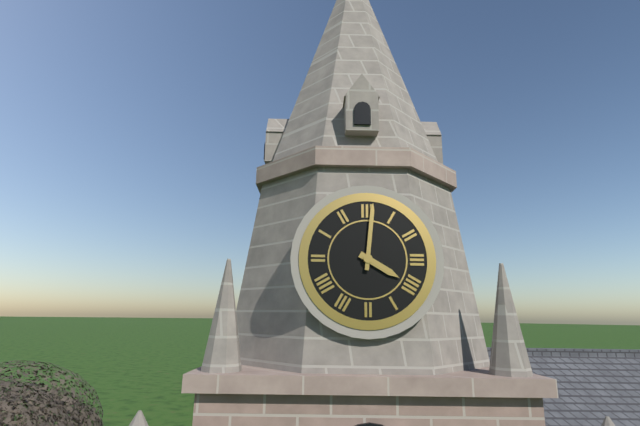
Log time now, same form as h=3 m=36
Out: h=4 m=1
